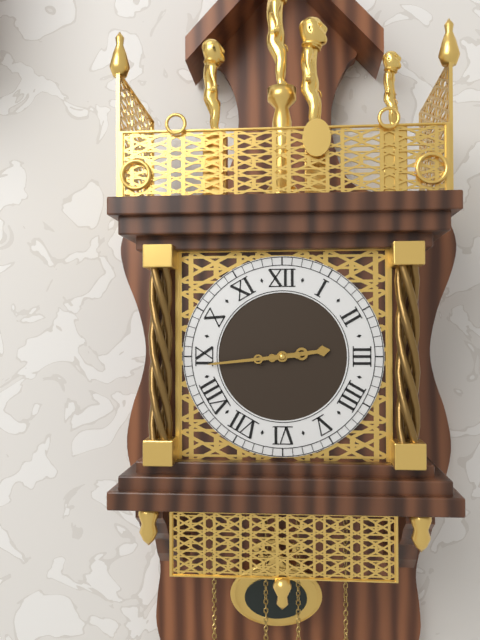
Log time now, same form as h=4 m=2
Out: h=2 m=44
